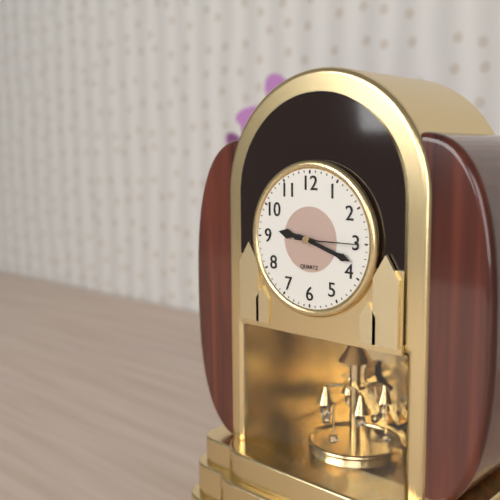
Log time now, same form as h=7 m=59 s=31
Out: h=9 m=18 s=15
